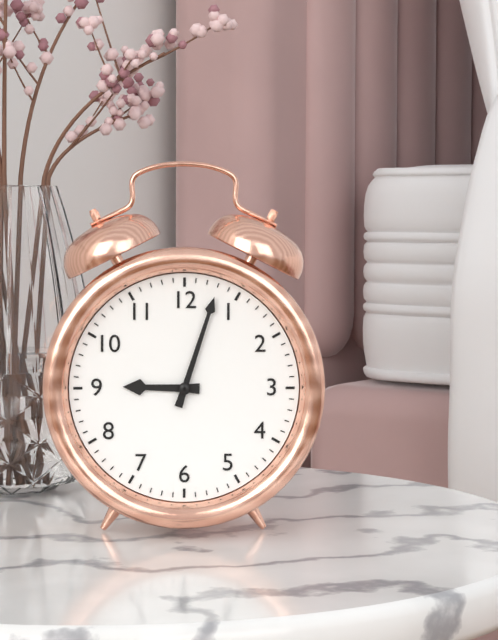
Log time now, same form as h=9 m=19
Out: h=9 m=3
